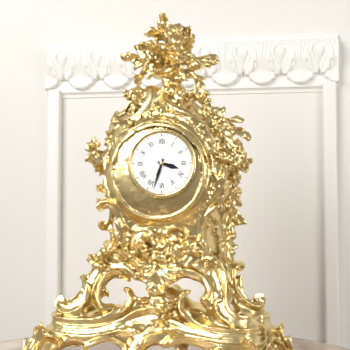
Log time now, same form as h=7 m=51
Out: h=3 m=33
